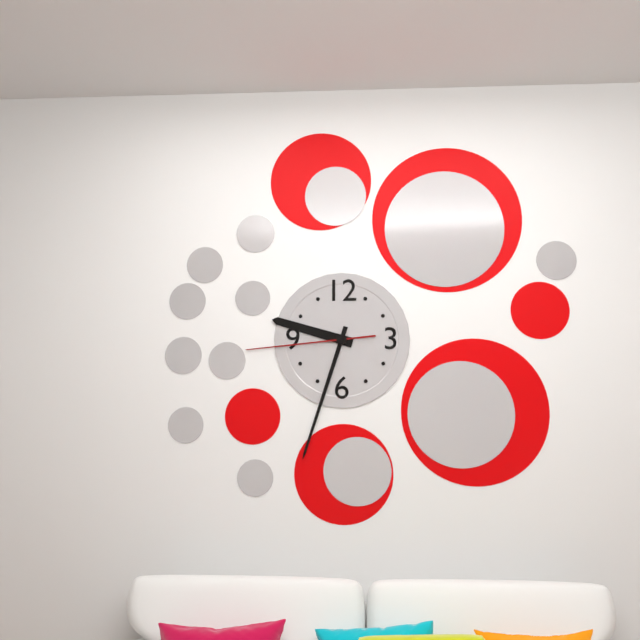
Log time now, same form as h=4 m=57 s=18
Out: h=9 m=33 s=44
